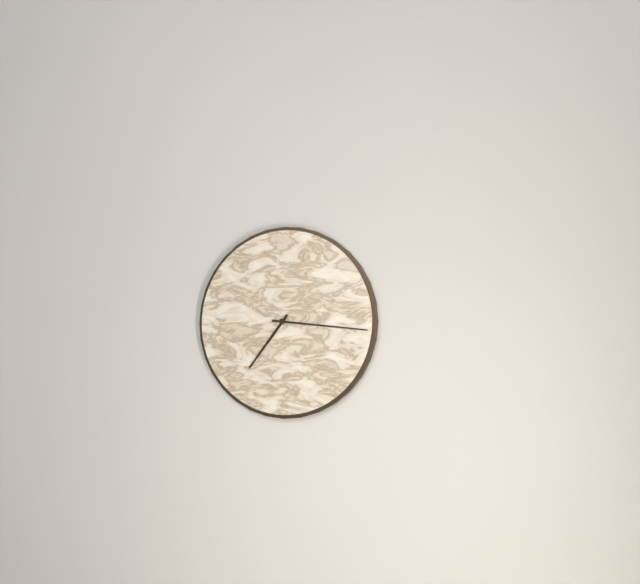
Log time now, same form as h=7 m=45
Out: h=7 m=16
